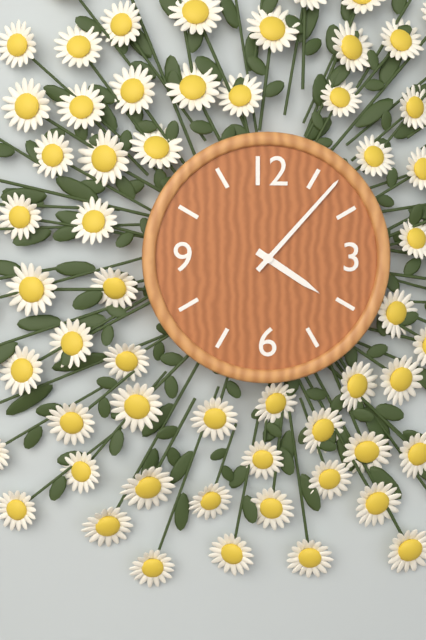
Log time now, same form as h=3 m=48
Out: h=4 m=7
